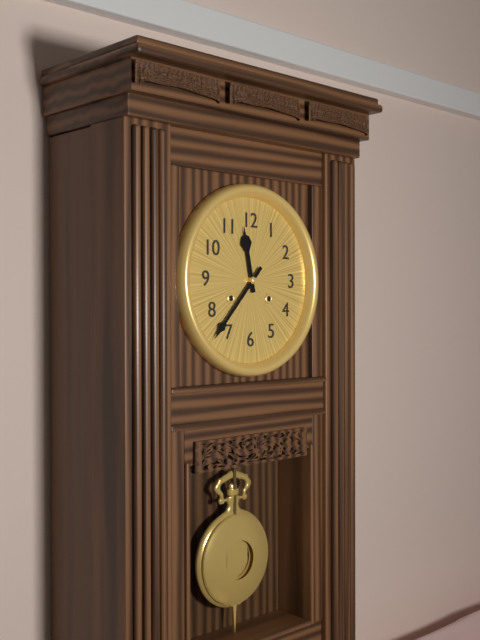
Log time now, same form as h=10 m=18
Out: h=11 m=37
